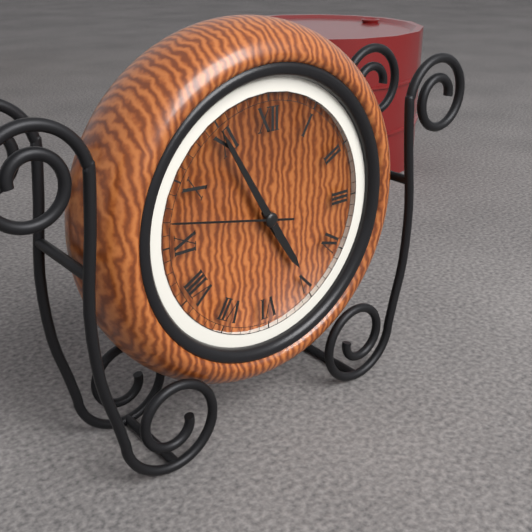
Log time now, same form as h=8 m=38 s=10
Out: h=4 m=55 s=47
